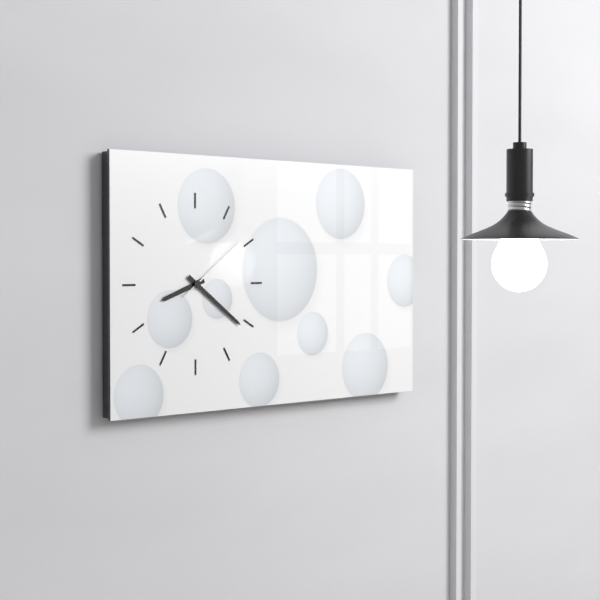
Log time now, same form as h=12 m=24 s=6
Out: h=8 m=21 s=9
